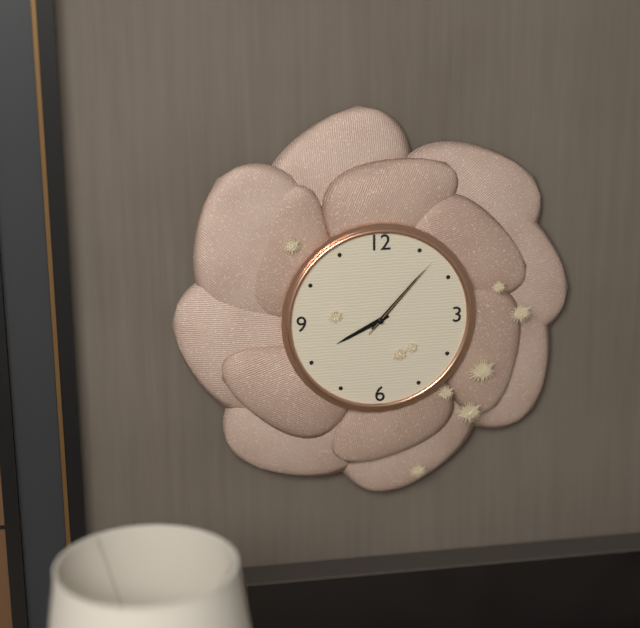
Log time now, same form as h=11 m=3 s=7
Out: h=8 m=7 s=7
